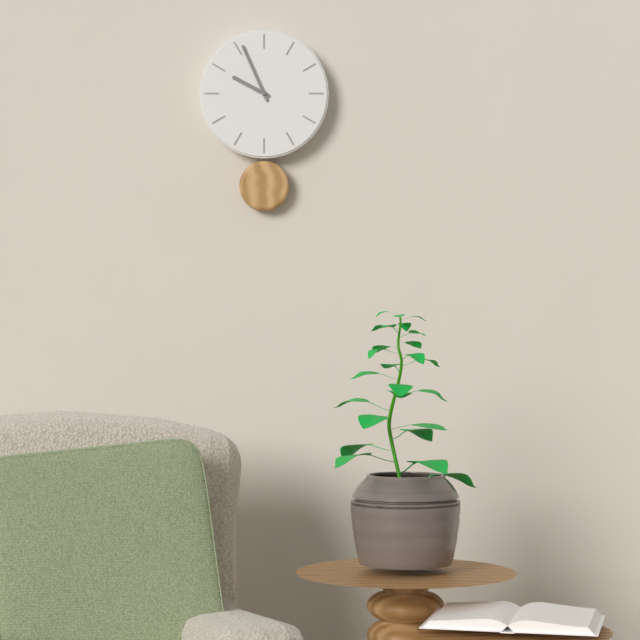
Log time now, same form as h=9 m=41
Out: h=9 m=56
